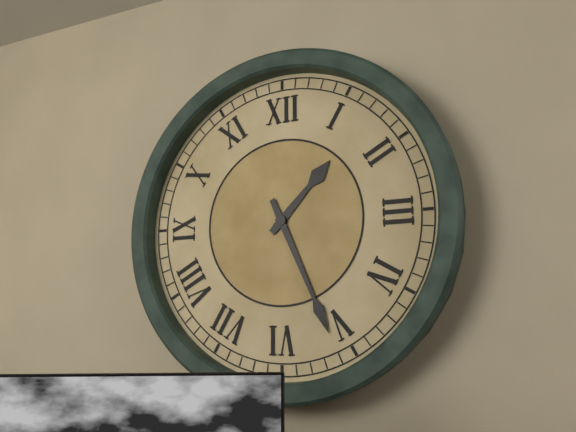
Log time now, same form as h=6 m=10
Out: h=1 m=26
